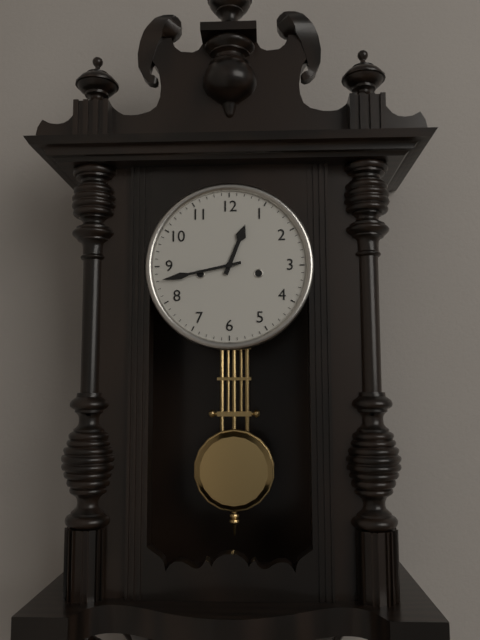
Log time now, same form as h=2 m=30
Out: h=12 m=43
